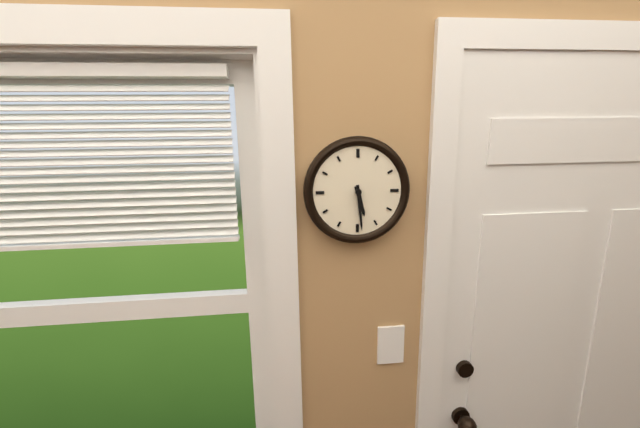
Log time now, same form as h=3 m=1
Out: h=5 m=29
